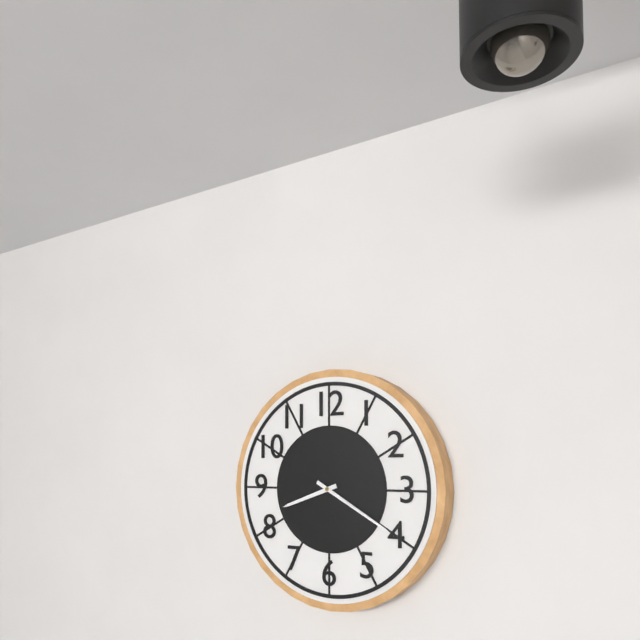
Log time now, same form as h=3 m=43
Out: h=8 m=20
